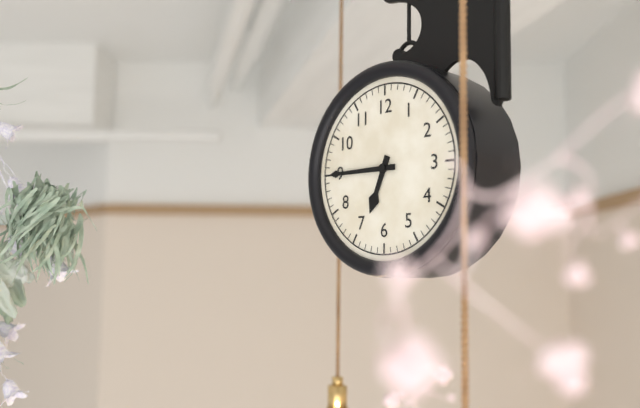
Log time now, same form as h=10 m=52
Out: h=6 m=45
